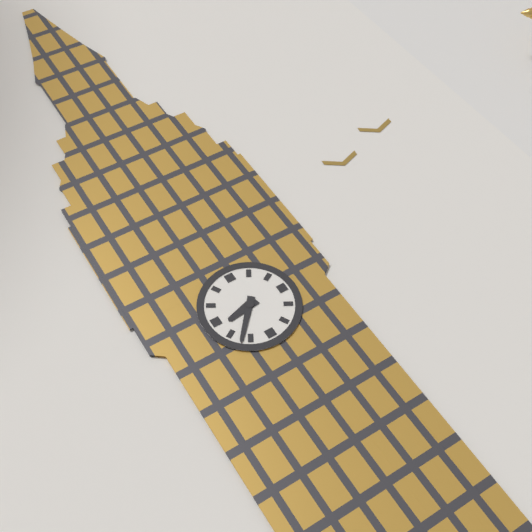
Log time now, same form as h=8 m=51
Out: h=8 m=37
